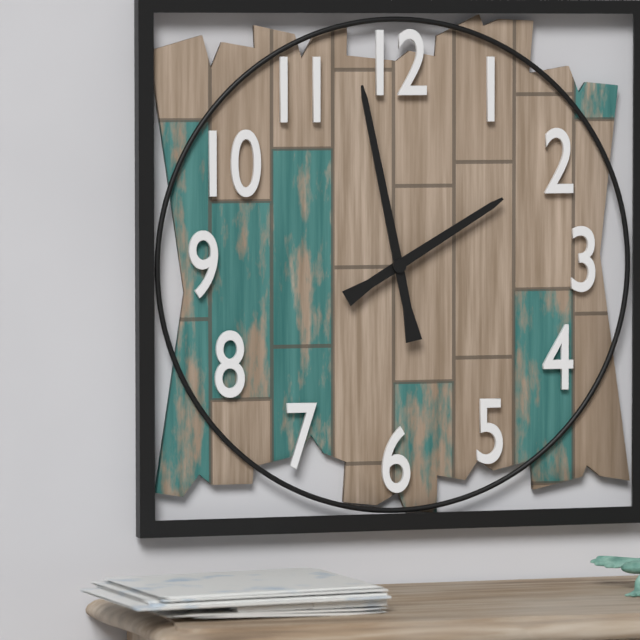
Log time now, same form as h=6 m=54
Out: h=1 m=58
